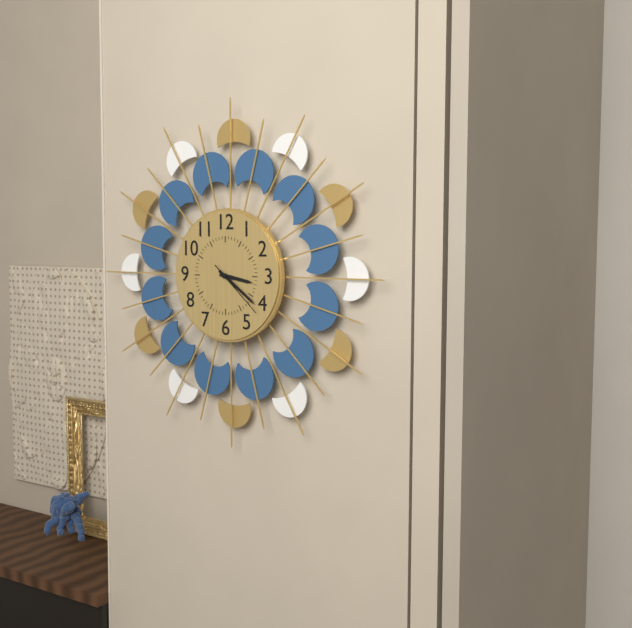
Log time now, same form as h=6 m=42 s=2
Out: h=3 m=21 s=22
